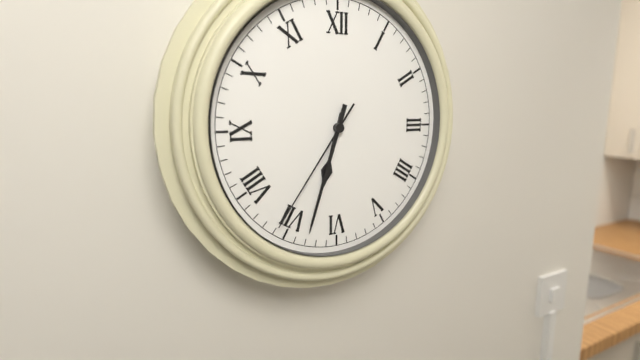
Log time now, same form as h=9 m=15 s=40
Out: h=6 m=33 s=36
